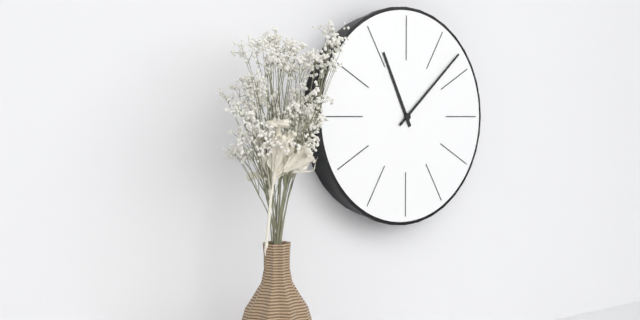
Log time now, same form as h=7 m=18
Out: h=11 m=8
